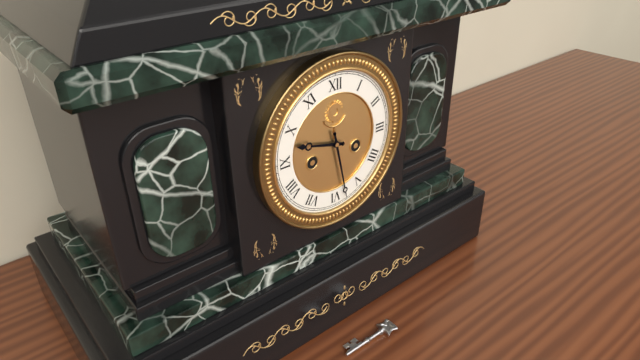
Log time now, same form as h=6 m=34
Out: h=9 m=28
